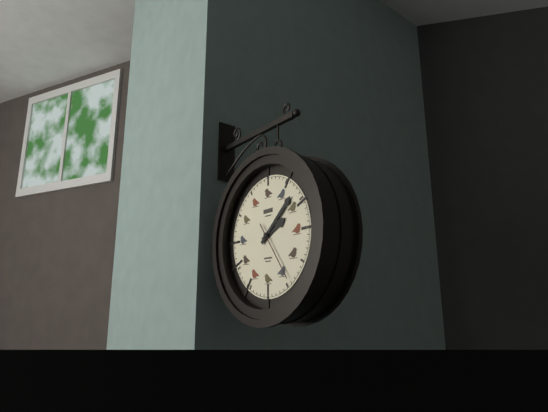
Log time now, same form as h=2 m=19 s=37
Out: h=2 m=8 s=24
